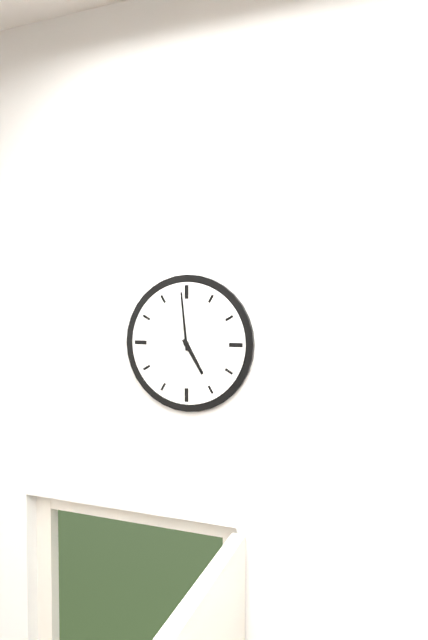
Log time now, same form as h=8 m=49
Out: h=4 m=59
